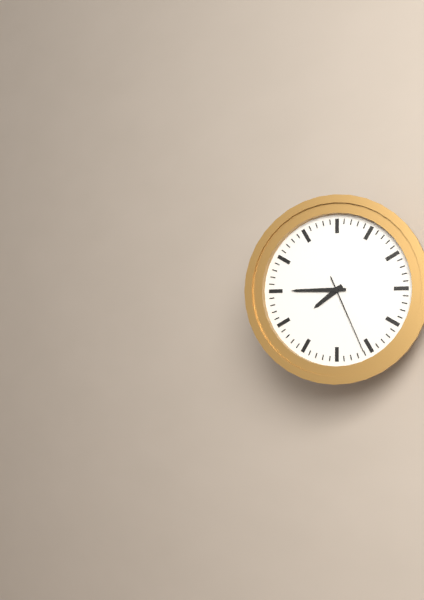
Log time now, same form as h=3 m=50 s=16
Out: h=7 m=45 s=26
